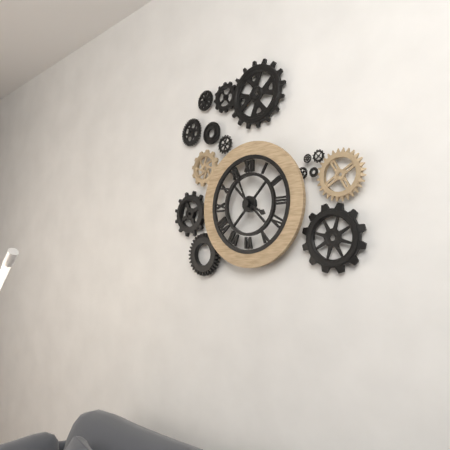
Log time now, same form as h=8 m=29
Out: h=3 m=56
